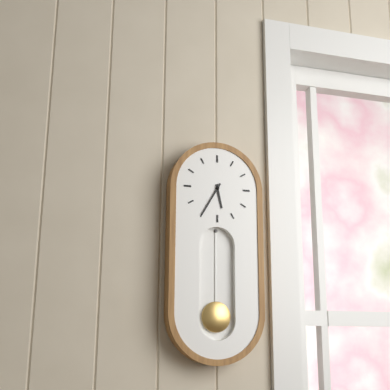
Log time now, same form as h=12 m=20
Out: h=5 m=35
